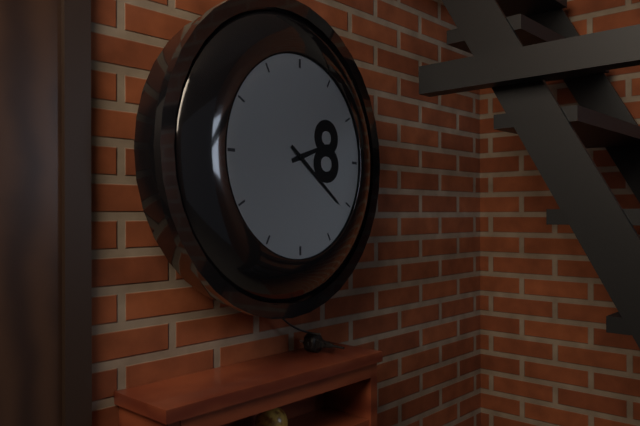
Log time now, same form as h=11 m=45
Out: h=2 m=21
